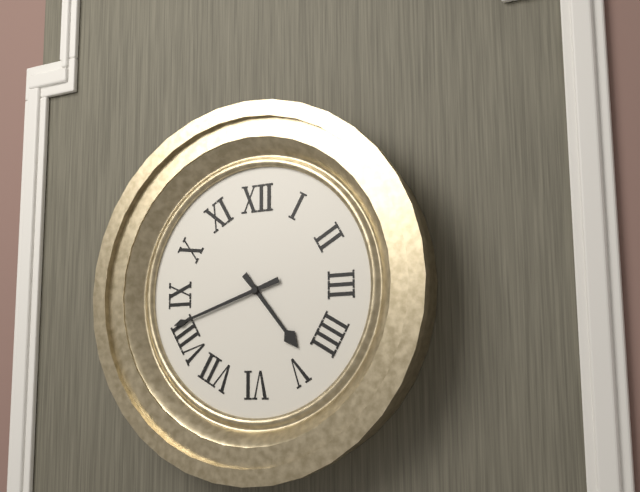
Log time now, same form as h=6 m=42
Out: h=4 m=42
